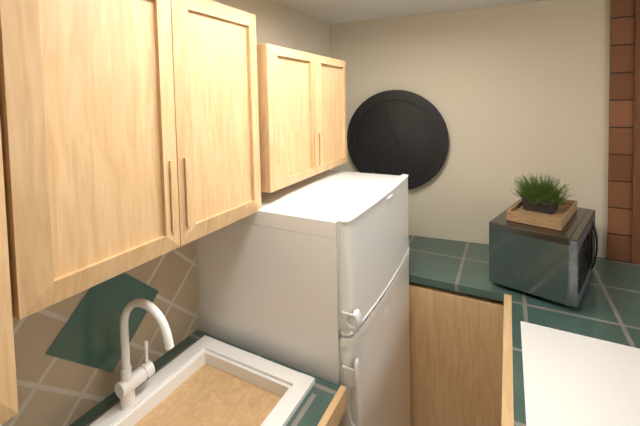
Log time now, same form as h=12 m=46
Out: h=10 m=57
